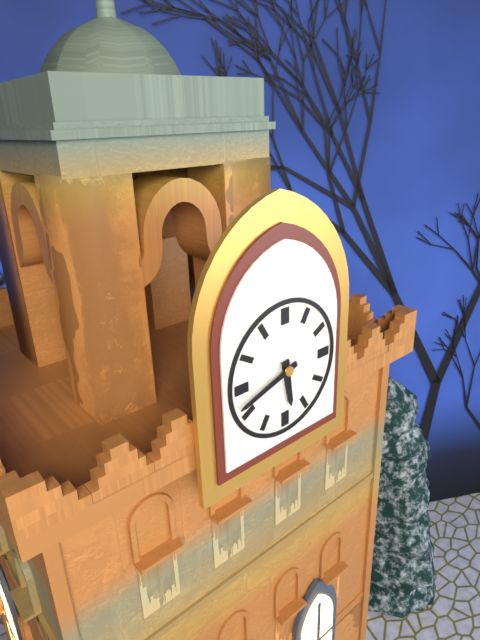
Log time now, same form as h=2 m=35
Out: h=5 m=42
